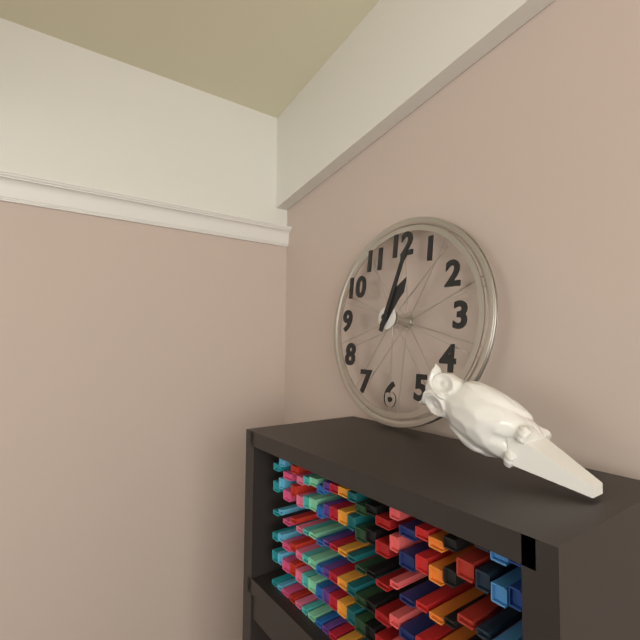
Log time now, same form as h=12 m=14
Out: h=1 m=3
